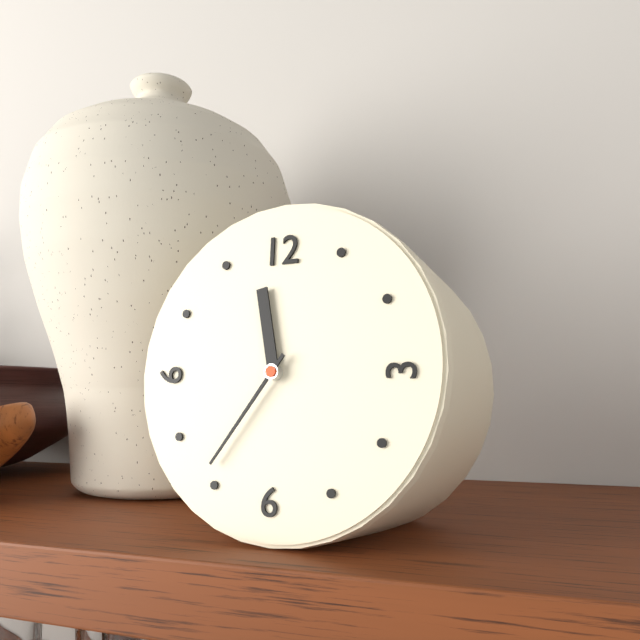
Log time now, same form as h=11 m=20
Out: h=11 m=36
